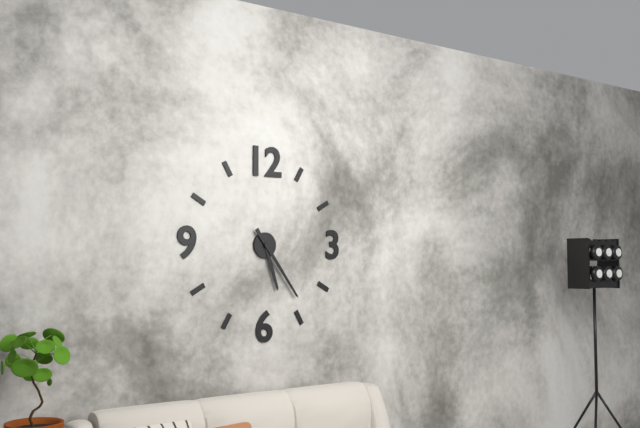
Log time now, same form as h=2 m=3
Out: h=5 m=24
